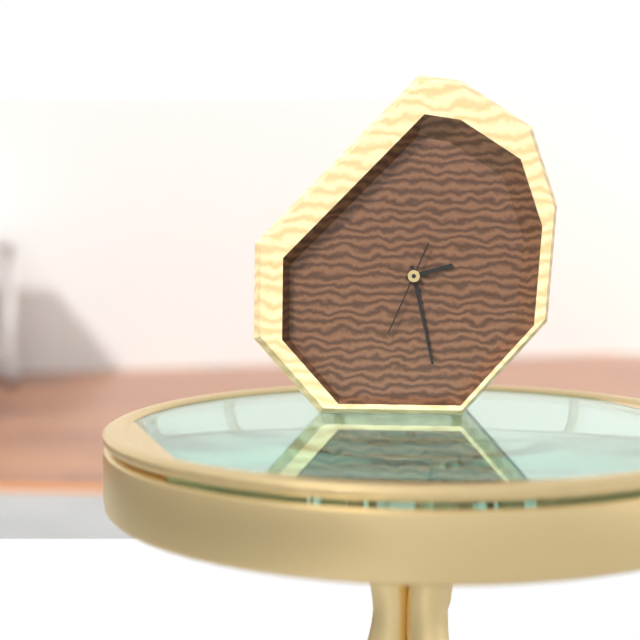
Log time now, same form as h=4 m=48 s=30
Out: h=2 m=28 s=34
